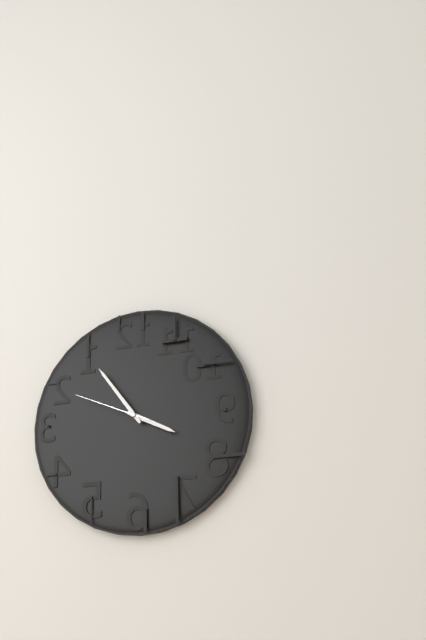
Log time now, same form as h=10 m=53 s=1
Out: h=3 m=54 s=49
